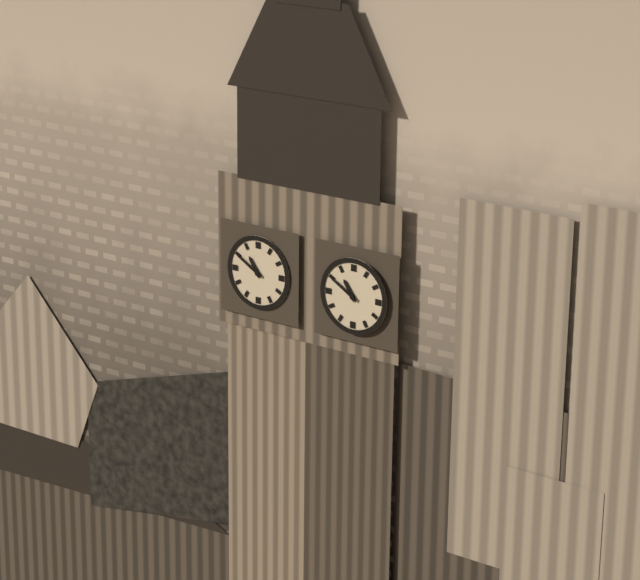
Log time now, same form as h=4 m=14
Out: h=10 m=50
